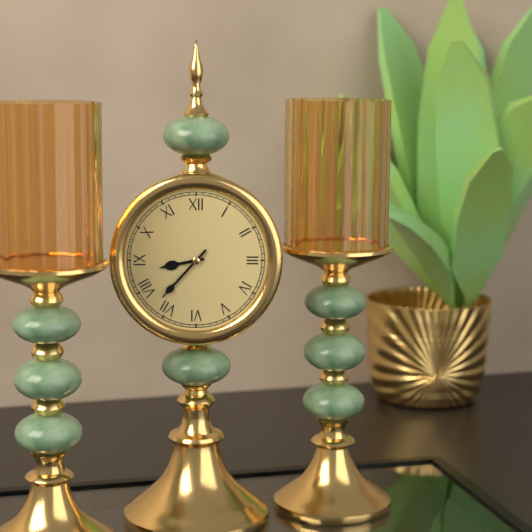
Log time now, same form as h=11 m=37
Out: h=8 m=37
